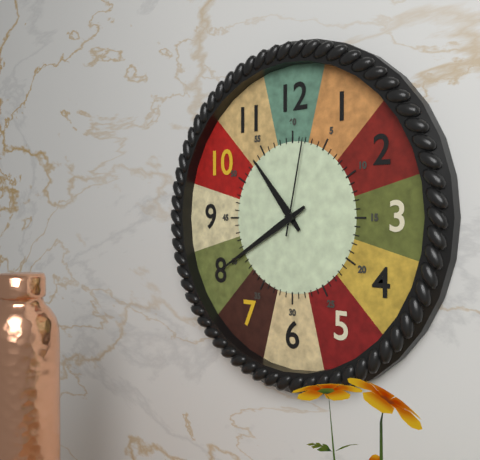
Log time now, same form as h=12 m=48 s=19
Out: h=10 m=40 s=2
